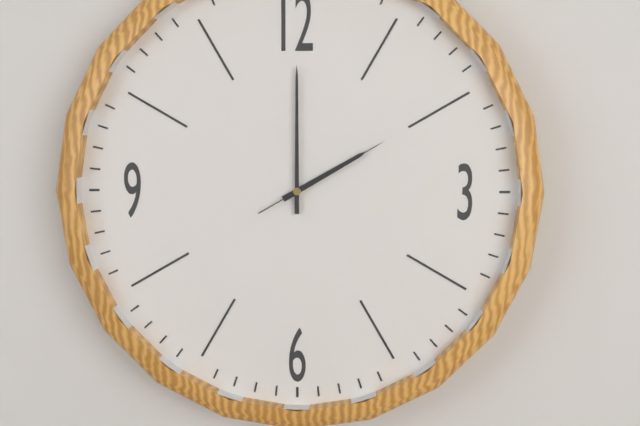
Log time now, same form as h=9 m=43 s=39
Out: h=2 m=0 s=10
